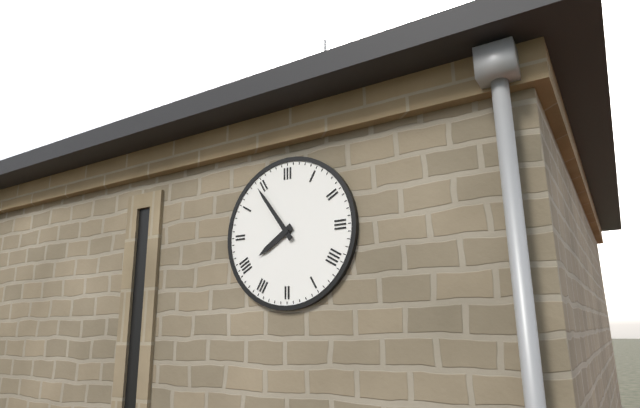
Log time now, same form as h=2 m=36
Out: h=7 m=54
